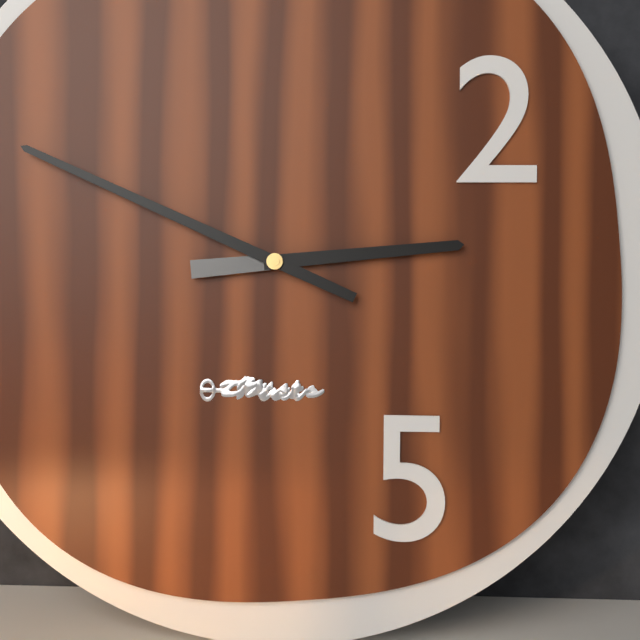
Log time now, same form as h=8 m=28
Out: h=2 m=49
